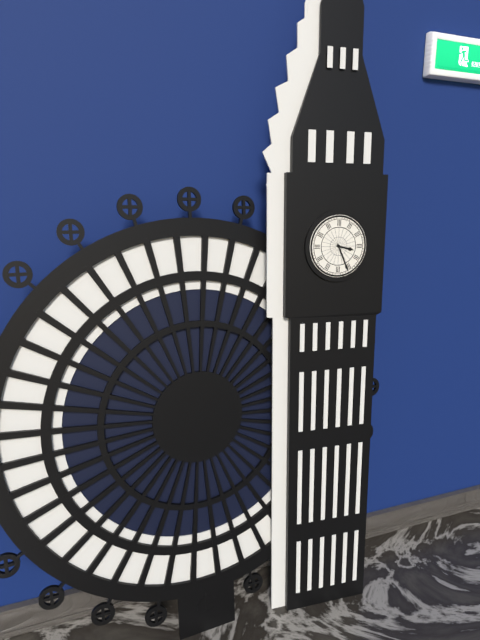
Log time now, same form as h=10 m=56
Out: h=3 m=26
